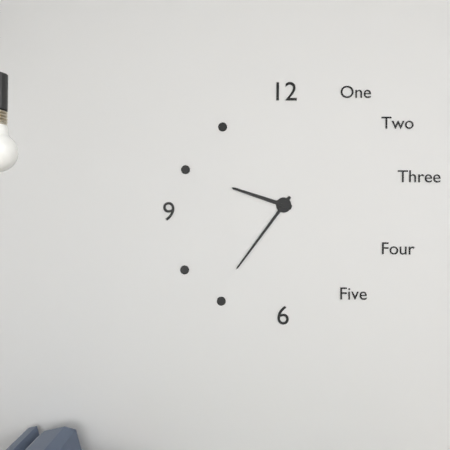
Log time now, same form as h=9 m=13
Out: h=9 m=36
